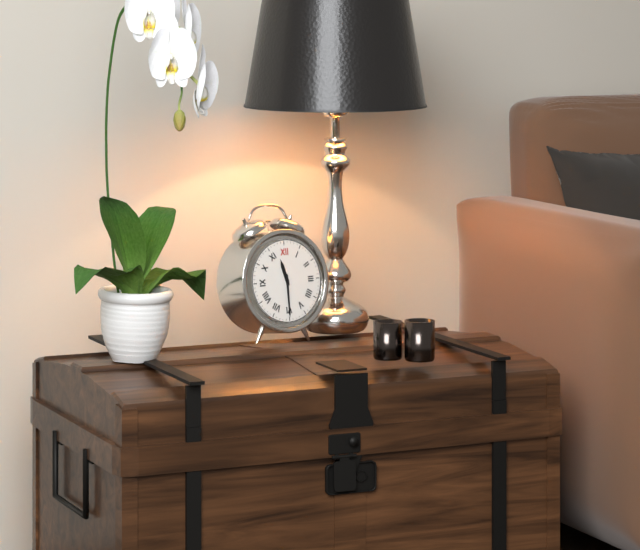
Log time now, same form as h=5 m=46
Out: h=11 m=30
